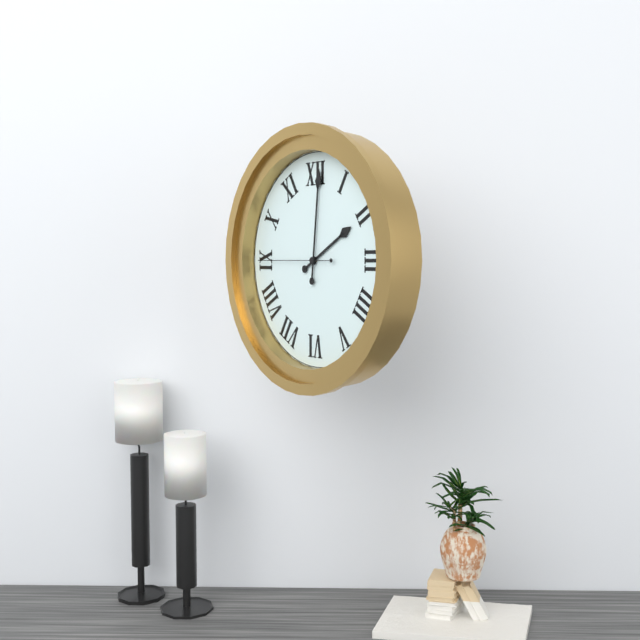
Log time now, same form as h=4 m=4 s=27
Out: h=2 m=1 s=45
